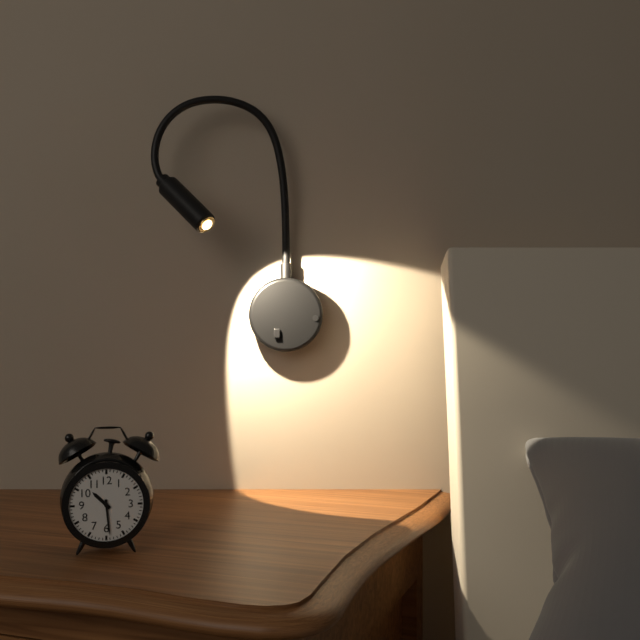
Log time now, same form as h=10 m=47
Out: h=10 m=29
